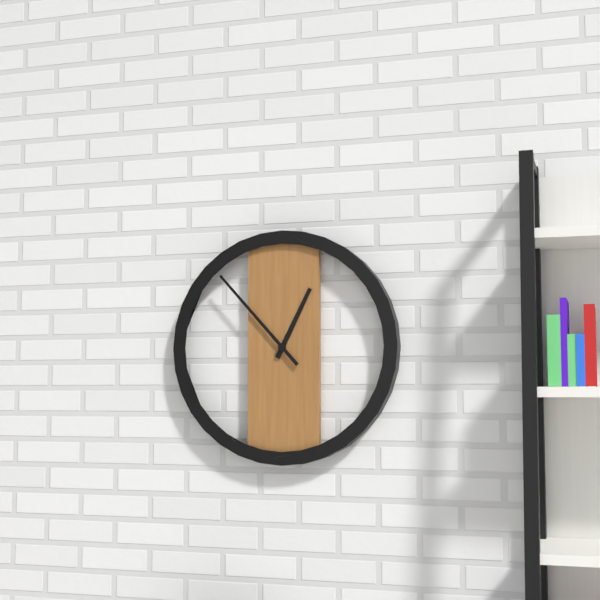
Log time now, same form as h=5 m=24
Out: h=12 m=53
